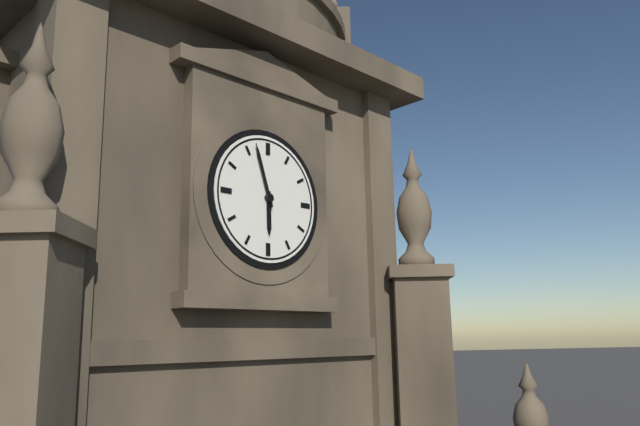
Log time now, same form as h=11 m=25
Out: h=5 m=57
